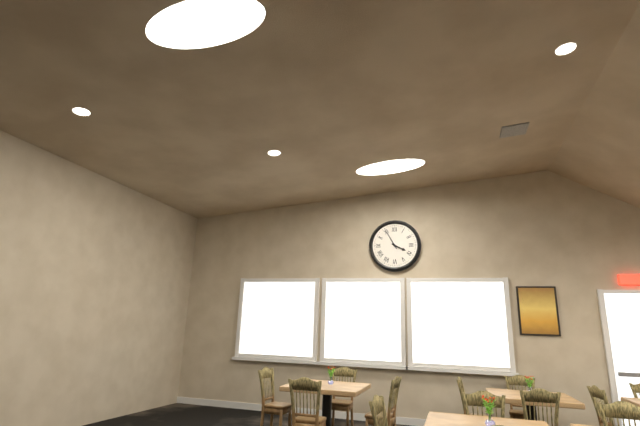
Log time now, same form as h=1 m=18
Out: h=3 m=55
